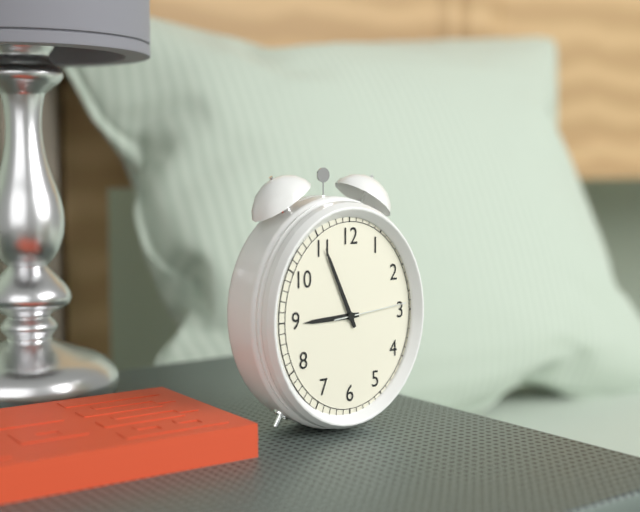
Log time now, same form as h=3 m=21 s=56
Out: h=8 m=56 s=14
